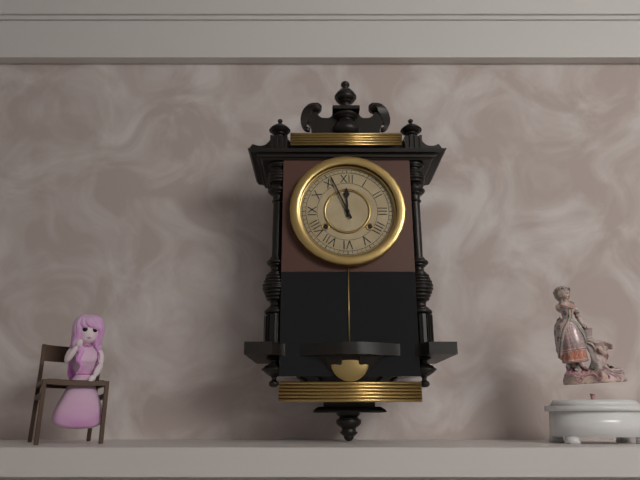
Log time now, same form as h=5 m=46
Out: h=11 m=56
